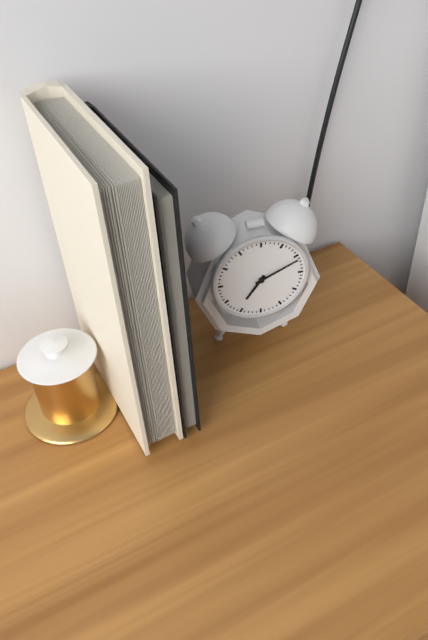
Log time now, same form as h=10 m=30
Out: h=7 m=11
